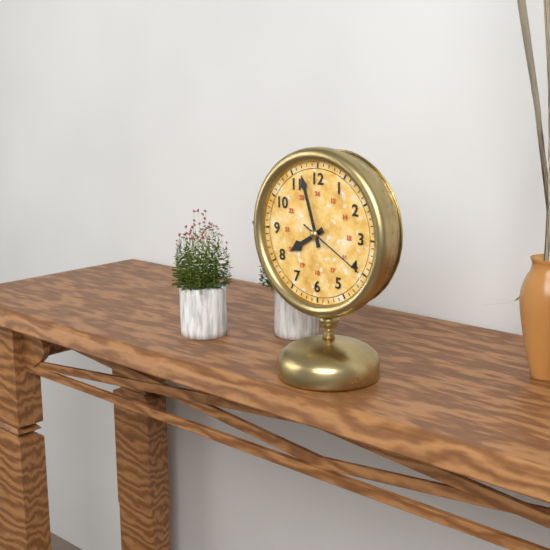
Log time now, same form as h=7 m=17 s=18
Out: h=7 m=57 s=20
